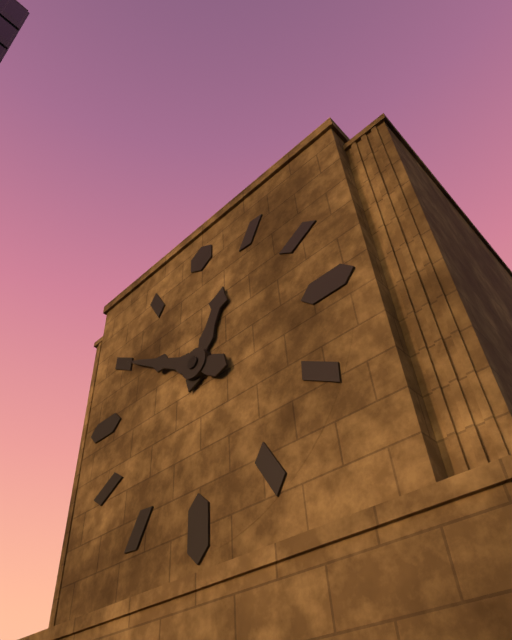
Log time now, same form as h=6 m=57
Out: h=12 m=50
